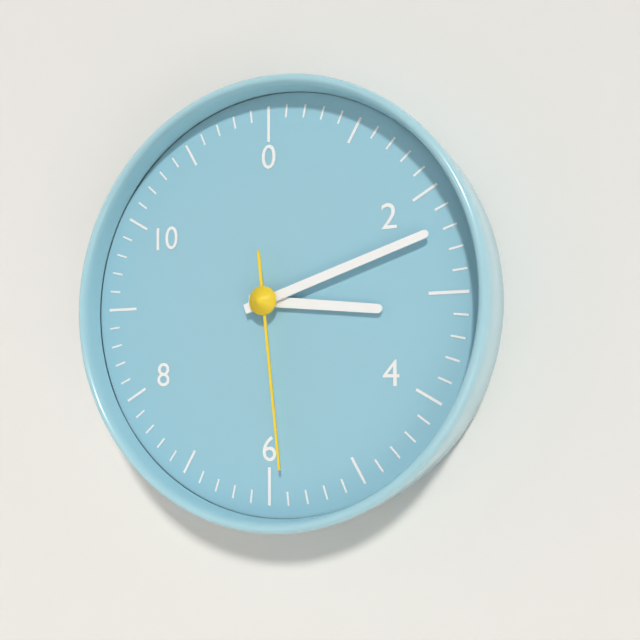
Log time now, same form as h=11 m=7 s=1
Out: h=3 m=12 s=29
